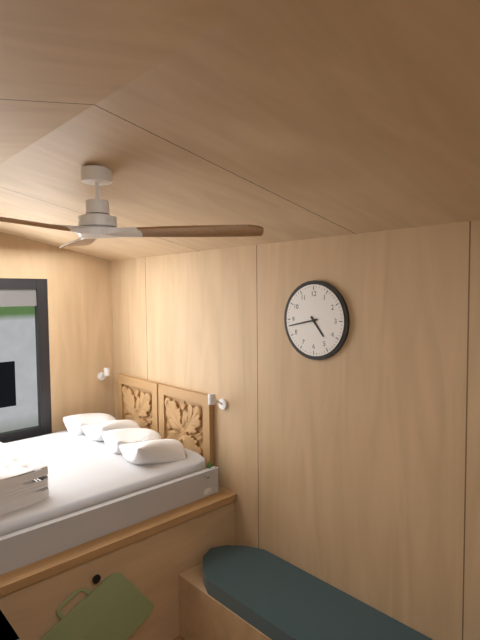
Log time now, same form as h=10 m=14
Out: h=4 m=43
